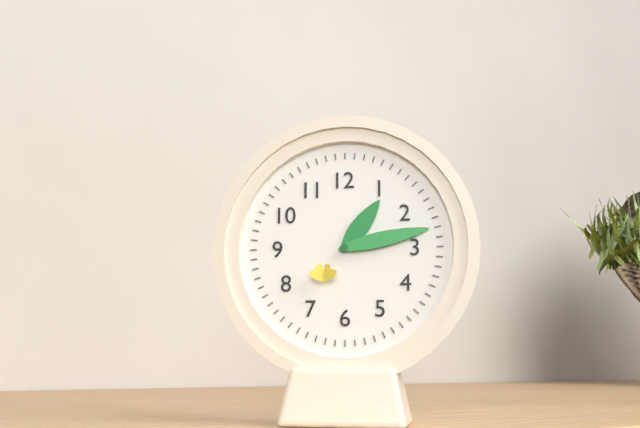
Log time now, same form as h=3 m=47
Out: h=1 m=13
